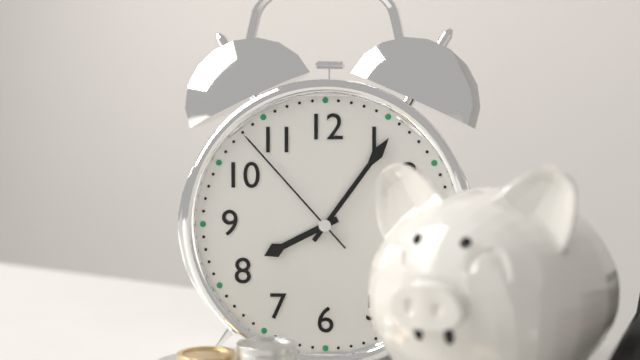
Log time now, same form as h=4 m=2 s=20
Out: h=8 m=6 s=53
